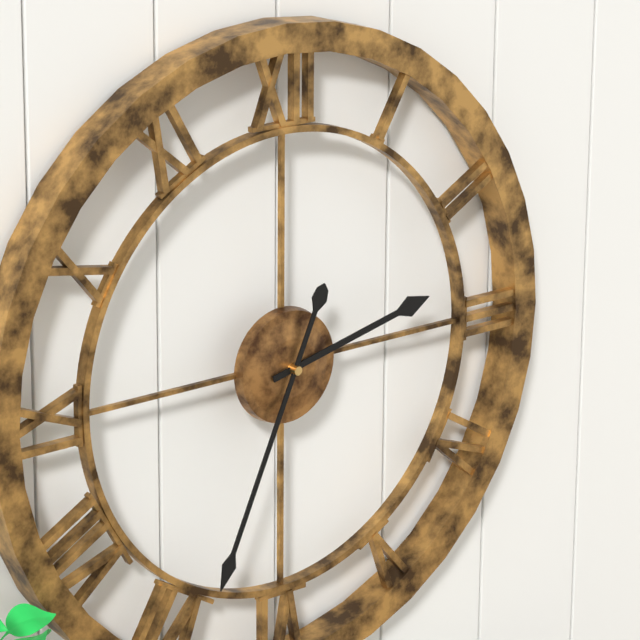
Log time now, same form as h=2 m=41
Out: h=2 m=34
